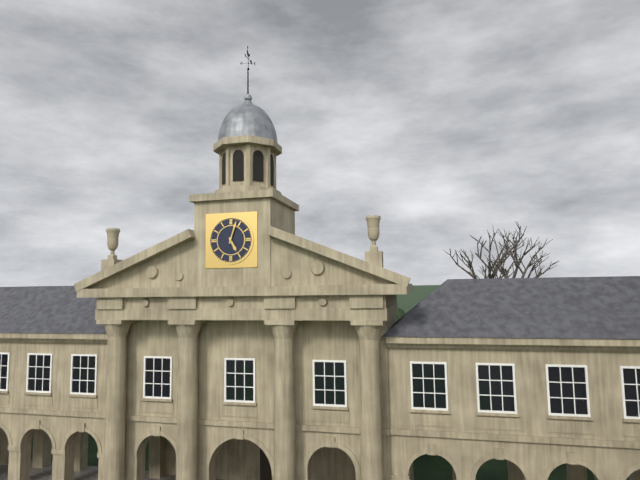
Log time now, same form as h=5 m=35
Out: h=5 m=3
